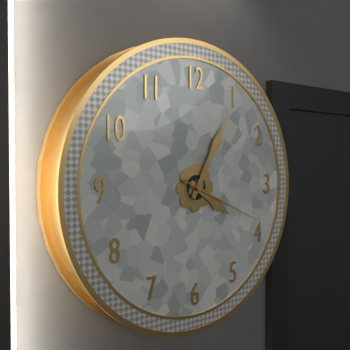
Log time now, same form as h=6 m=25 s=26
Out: h=4 m=5 s=19
